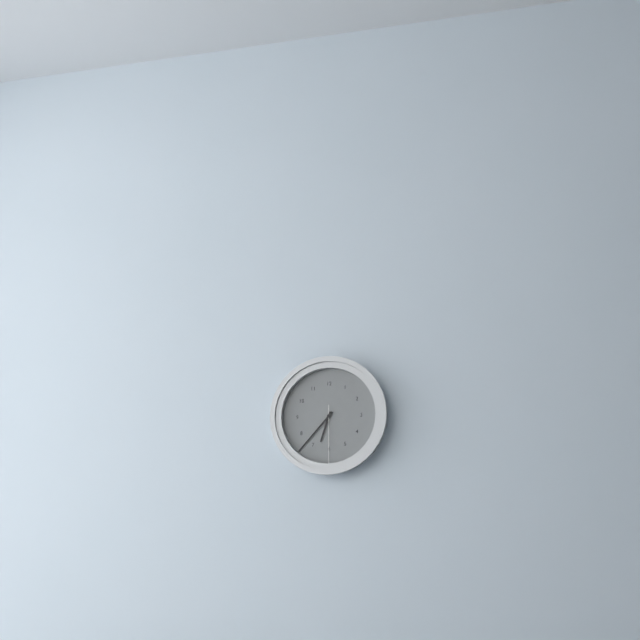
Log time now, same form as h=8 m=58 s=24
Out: h=6 m=37 s=30
